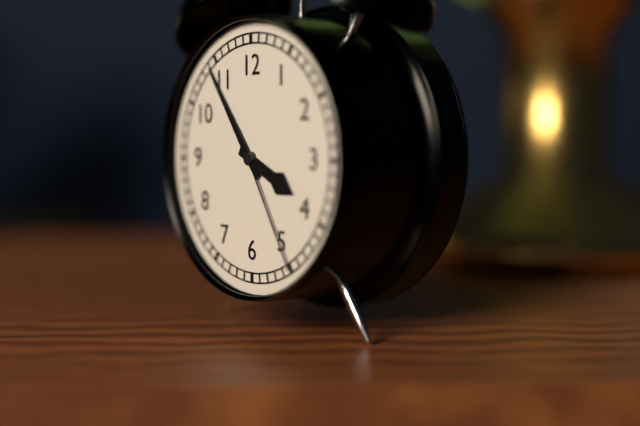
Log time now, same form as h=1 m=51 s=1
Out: h=3 m=54 s=25
